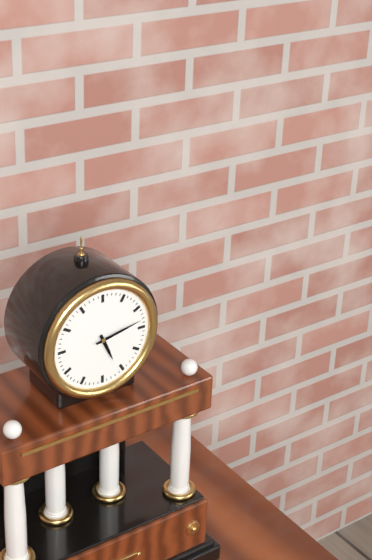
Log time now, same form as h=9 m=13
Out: h=5 m=13
